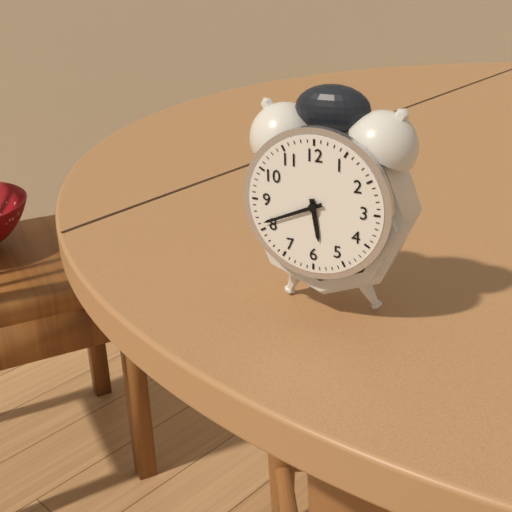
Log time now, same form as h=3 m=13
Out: h=5 m=41
